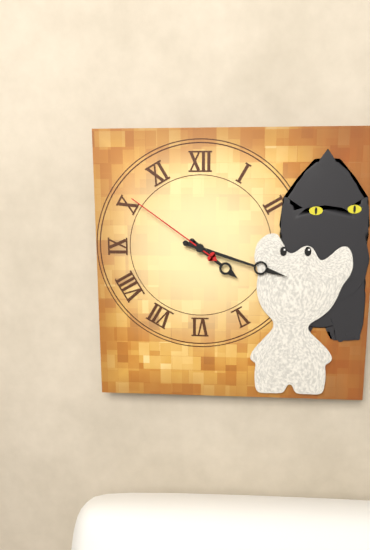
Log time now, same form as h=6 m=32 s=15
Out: h=4 m=18 s=51
